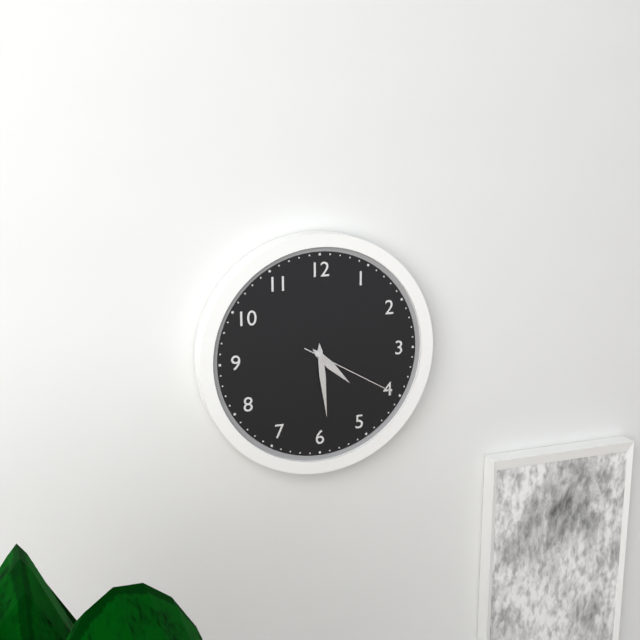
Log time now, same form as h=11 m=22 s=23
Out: h=4 m=29 s=20
